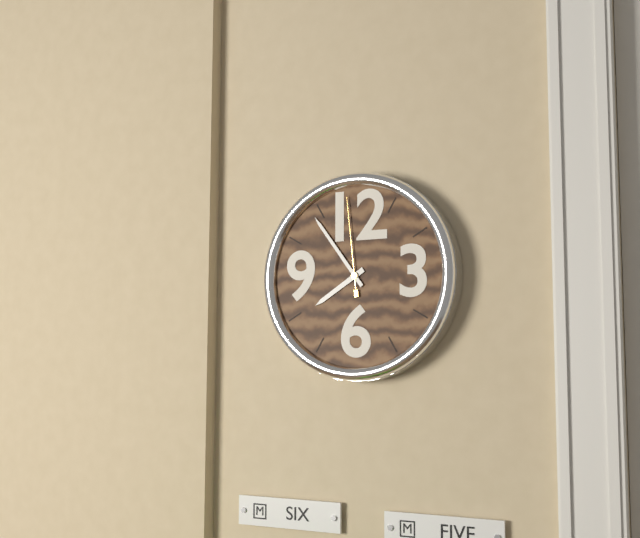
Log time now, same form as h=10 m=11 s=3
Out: h=7 m=54 s=59
